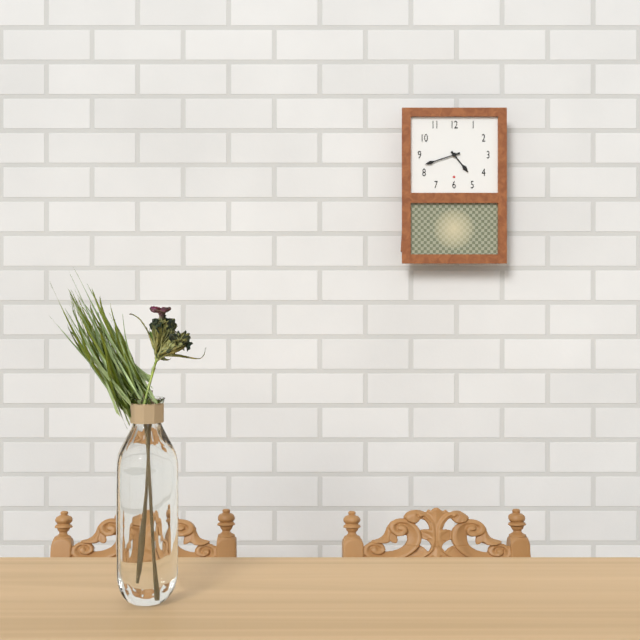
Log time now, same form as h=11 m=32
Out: h=4 m=42
